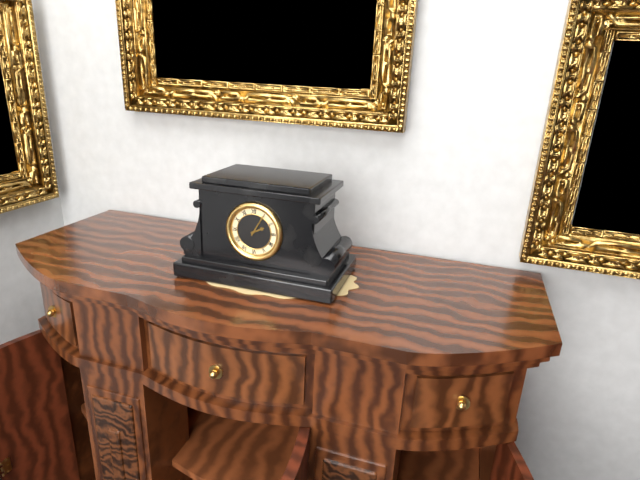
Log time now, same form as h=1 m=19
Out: h=2 m=5
